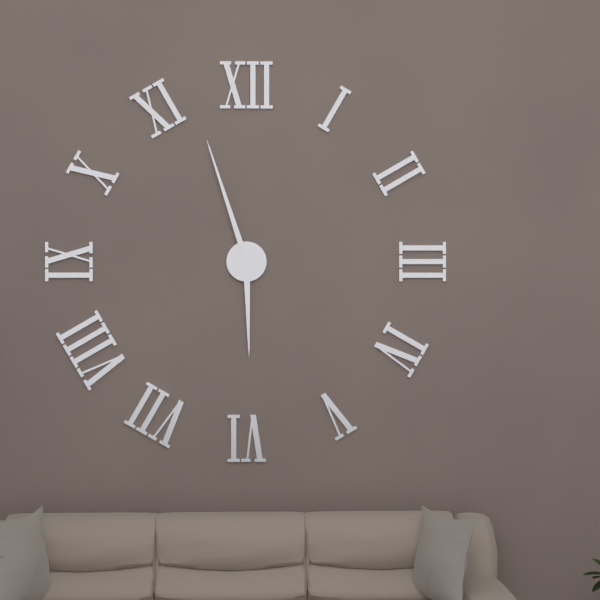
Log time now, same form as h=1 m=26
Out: h=5 m=57
